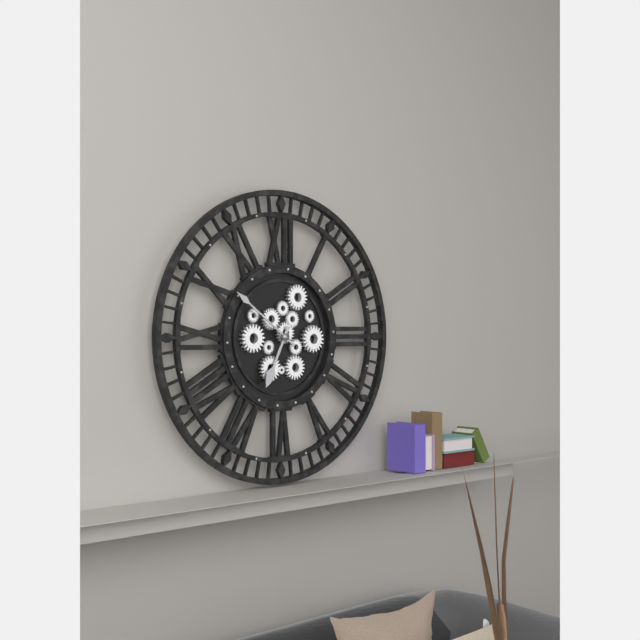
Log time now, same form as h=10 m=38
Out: h=6 m=51
